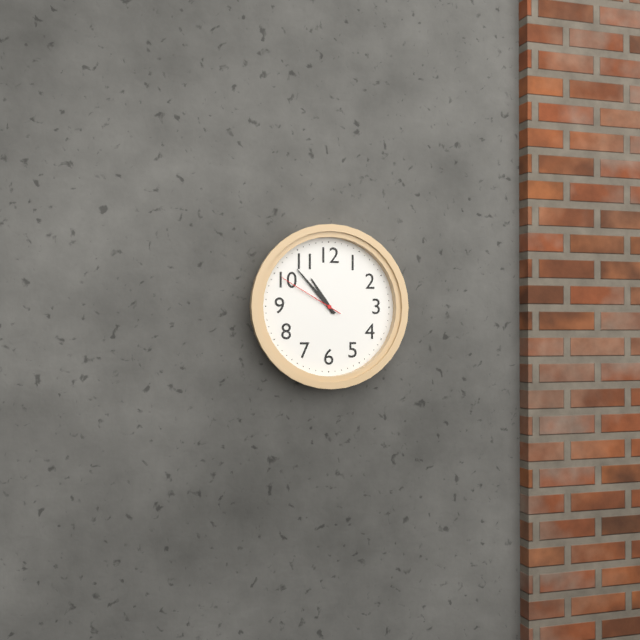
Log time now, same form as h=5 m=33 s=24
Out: h=10 m=53 s=50
